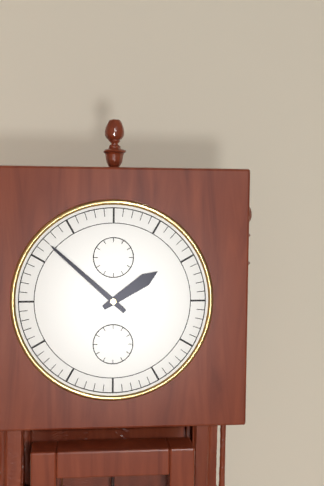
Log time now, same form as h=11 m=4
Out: h=1 m=52
